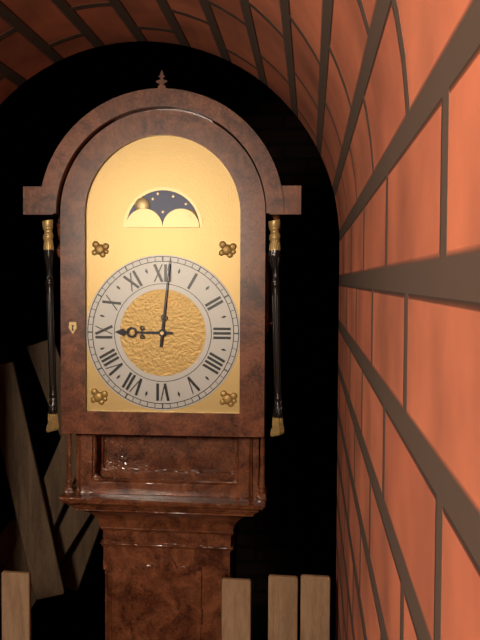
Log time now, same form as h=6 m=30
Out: h=9 m=1
